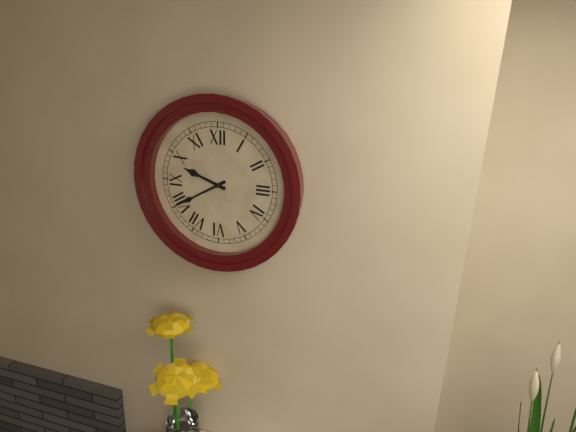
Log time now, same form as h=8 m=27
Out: h=9 m=40
